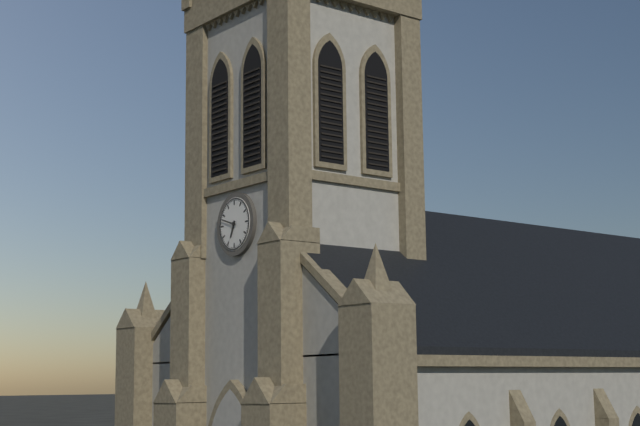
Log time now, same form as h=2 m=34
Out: h=6 m=48
